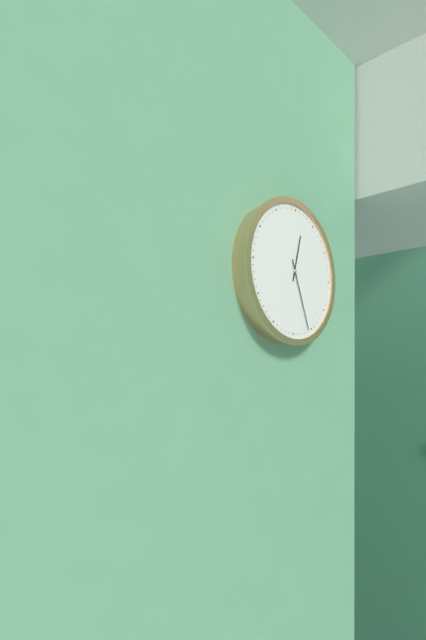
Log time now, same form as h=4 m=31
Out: h=12 m=26
